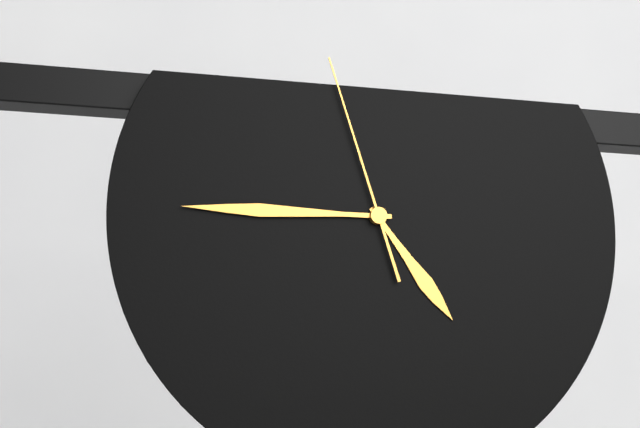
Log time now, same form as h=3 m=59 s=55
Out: h=4 m=45 s=57
